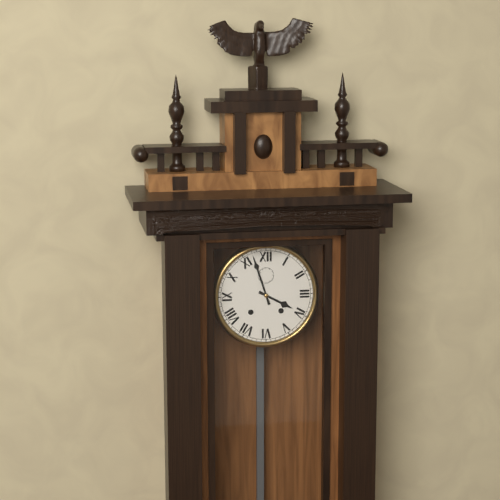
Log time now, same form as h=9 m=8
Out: h=3 m=57
